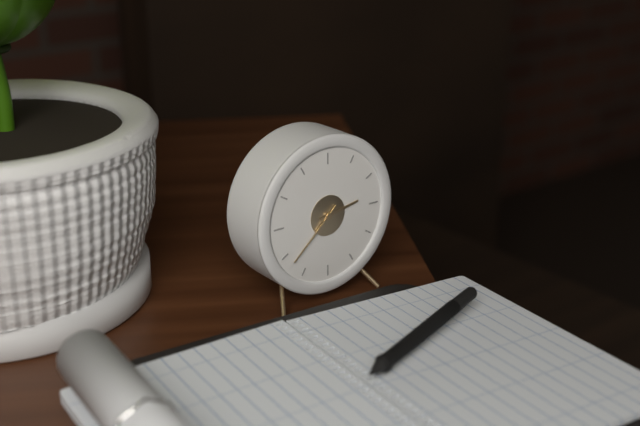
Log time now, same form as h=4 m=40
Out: h=2 m=38
